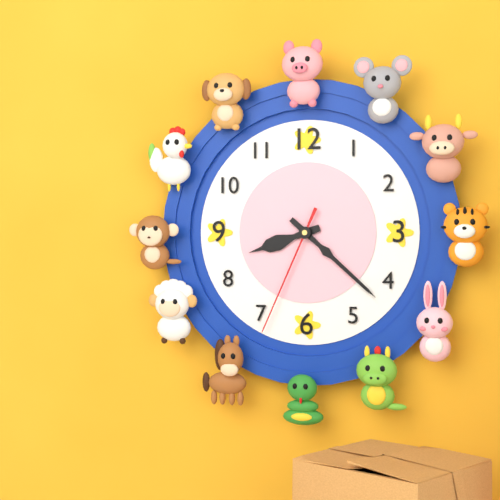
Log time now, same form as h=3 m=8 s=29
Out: h=8 m=22 s=34
